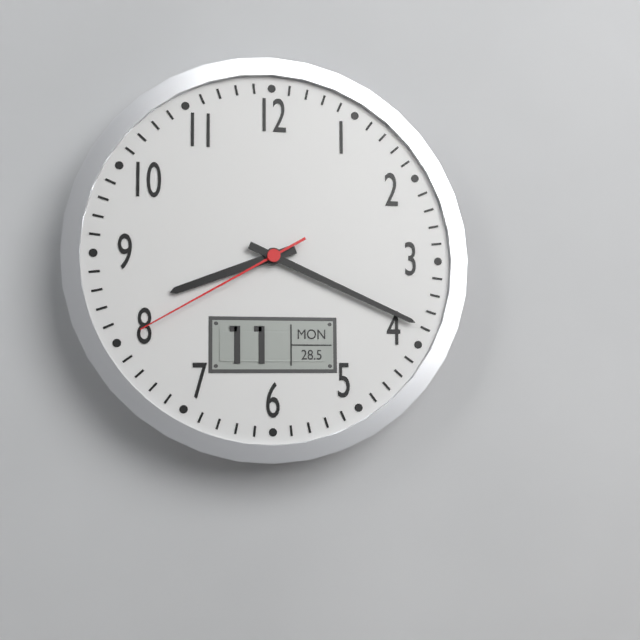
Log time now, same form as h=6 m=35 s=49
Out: h=8 m=19 s=40
